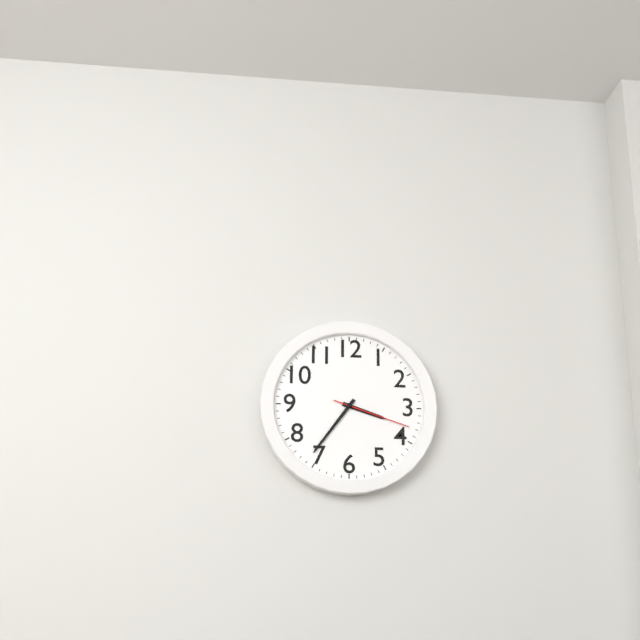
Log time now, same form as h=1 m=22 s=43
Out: h=3 m=36 s=18
